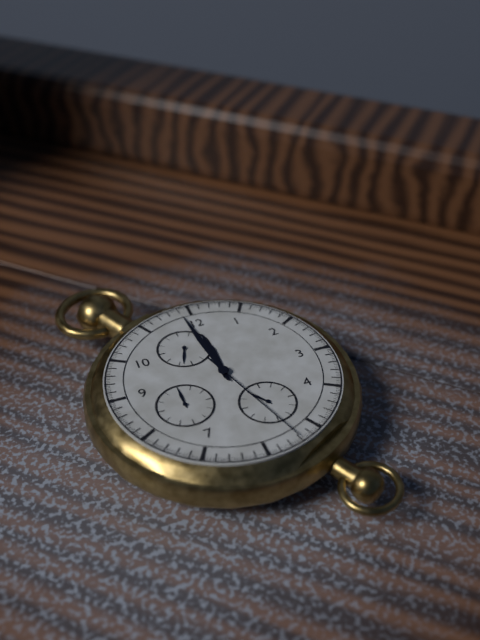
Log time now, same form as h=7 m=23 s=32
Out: h=11 m=59 s=27
